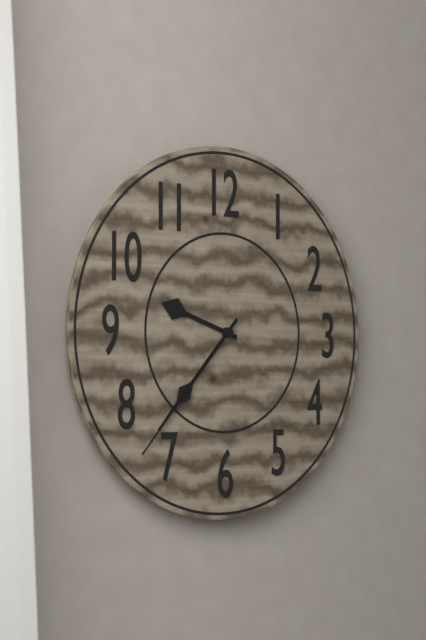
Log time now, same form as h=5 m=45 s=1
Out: h=9 m=37 s=37
